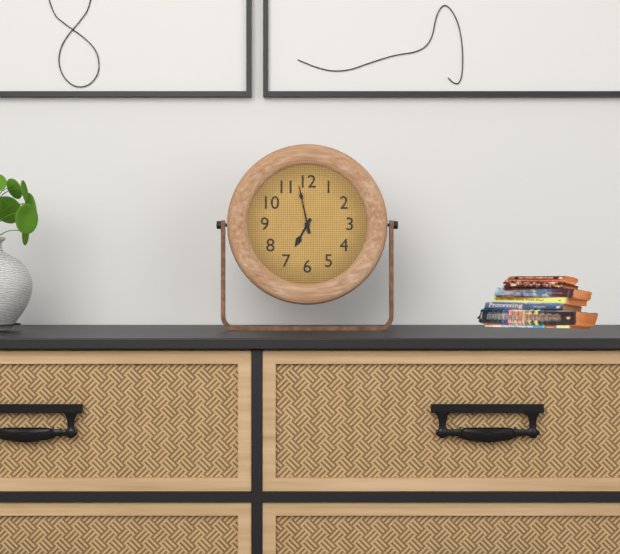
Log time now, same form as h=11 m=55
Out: h=6 m=58
